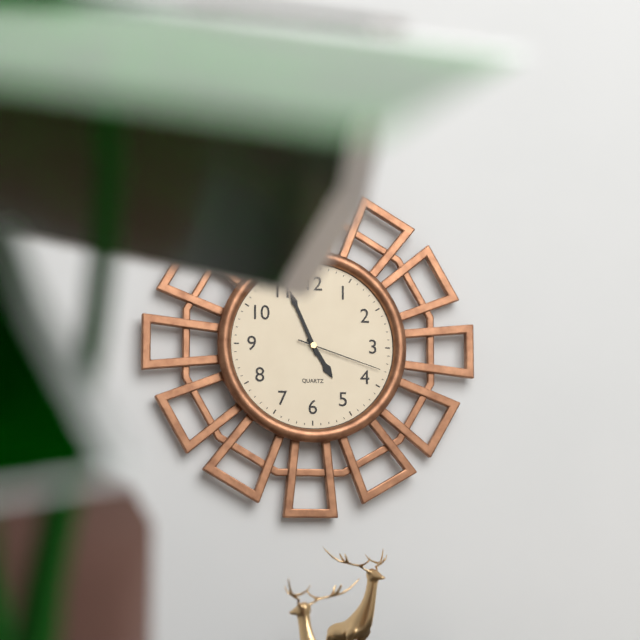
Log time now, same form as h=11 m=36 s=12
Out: h=4 m=56 s=18
